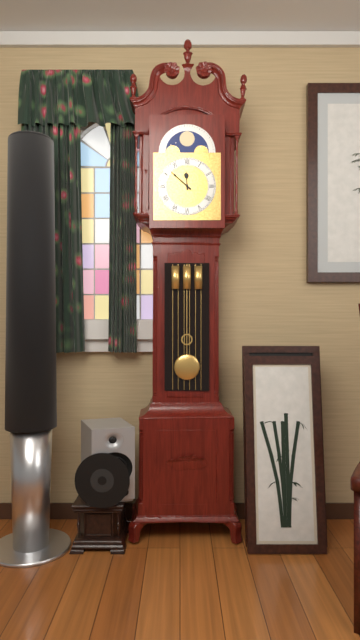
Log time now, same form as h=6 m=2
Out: h=11 m=52
